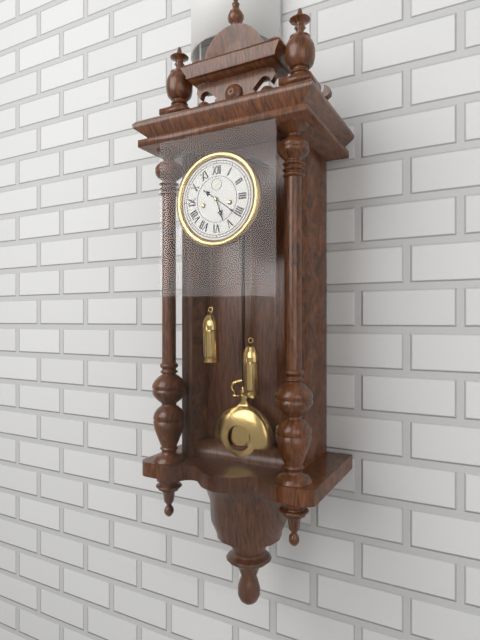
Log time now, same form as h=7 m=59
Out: h=5 m=21
